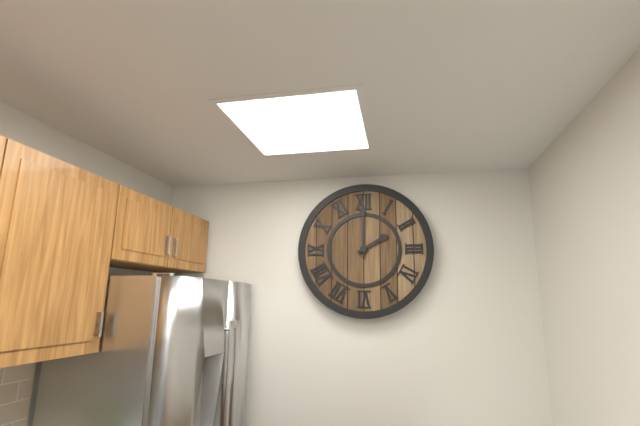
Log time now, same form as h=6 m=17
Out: h=2 m=0
